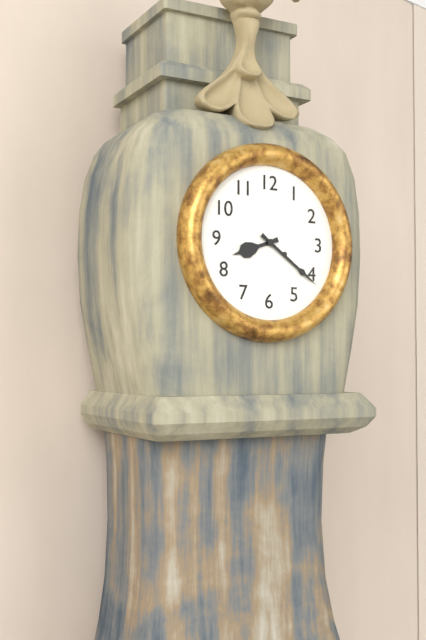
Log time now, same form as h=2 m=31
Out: h=8 m=21
